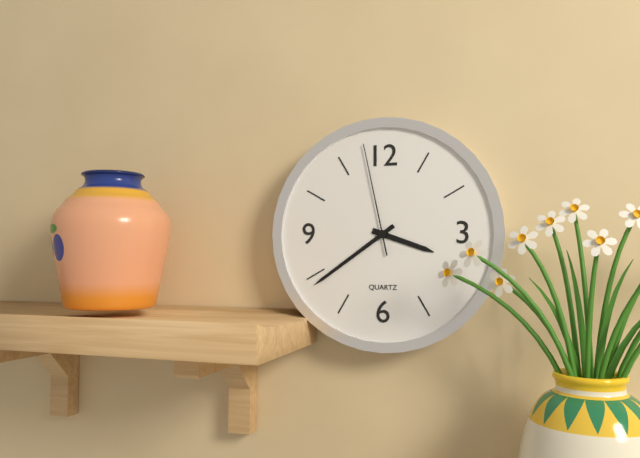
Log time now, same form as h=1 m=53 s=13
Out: h=3 m=39 s=58
